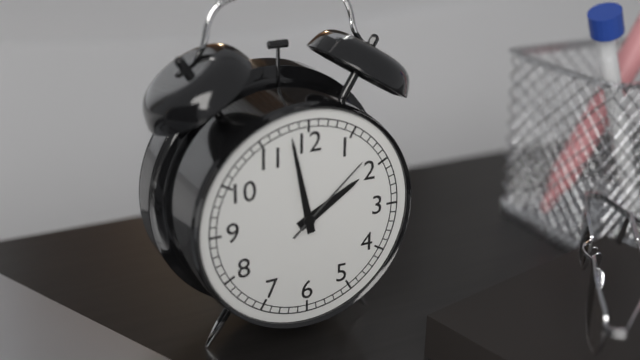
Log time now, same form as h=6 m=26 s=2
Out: h=1 m=58 s=8
